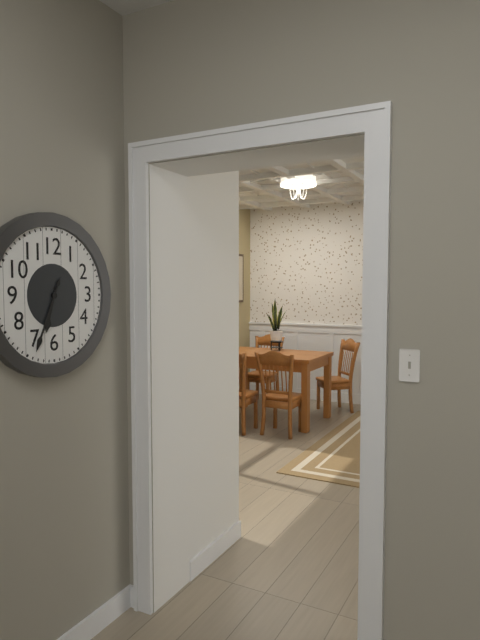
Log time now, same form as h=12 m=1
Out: h=6 m=34
